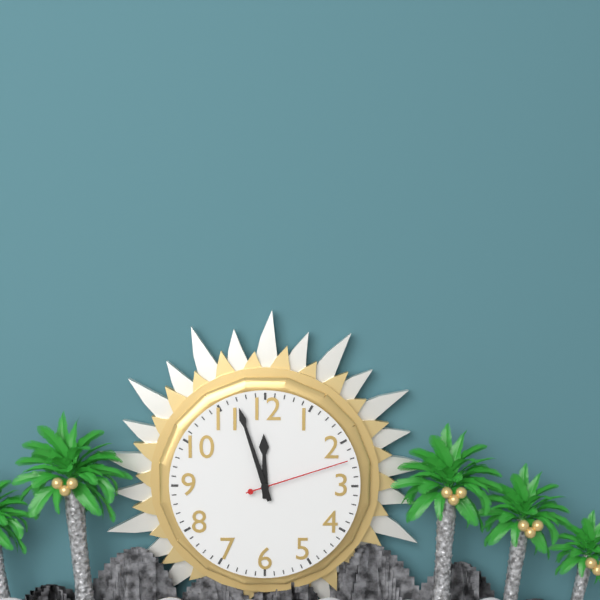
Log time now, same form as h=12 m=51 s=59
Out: h=11 m=57 s=12
